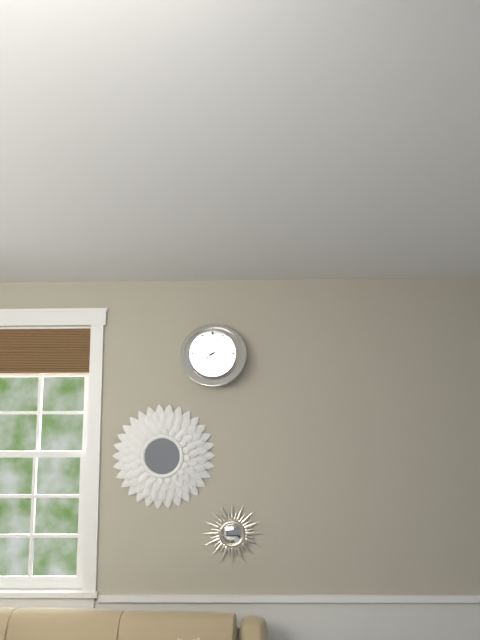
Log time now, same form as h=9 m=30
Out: h=7 m=43
